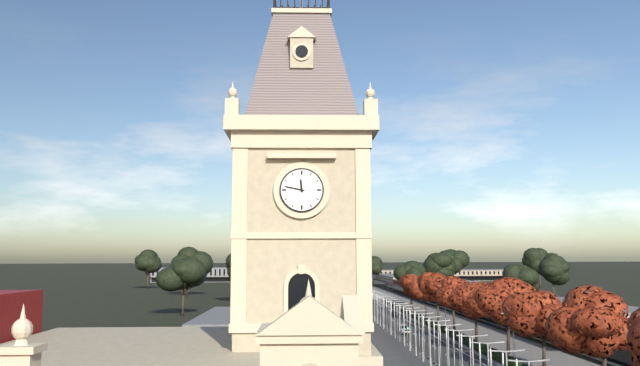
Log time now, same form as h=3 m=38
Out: h=11 m=47
